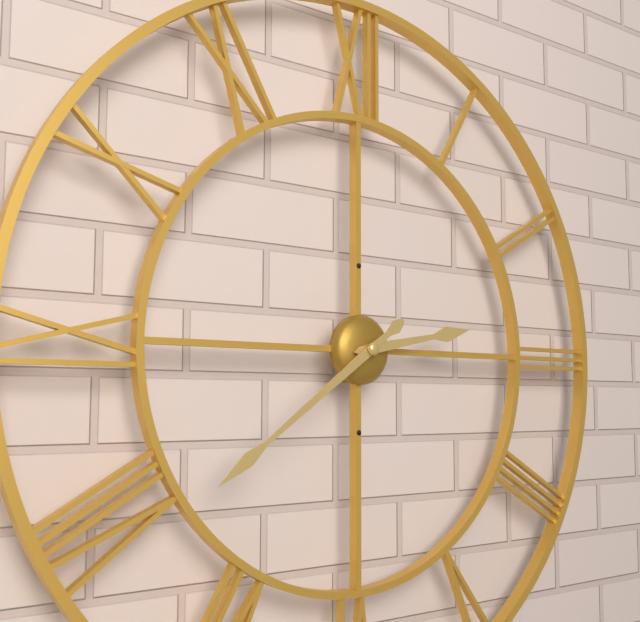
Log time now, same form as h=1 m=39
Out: h=2 m=39
